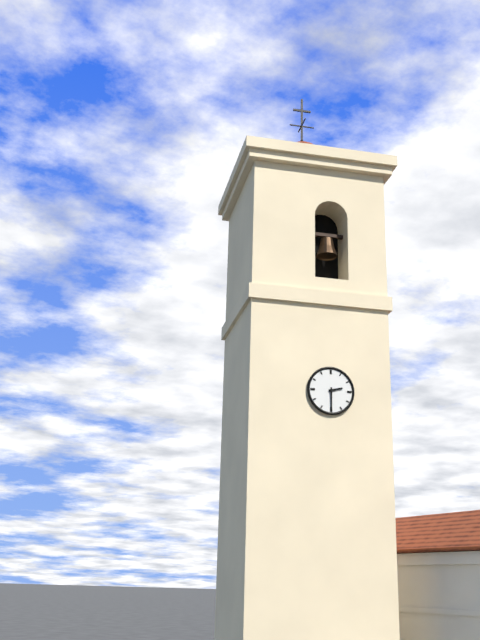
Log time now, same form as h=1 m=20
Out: h=2 m=30
